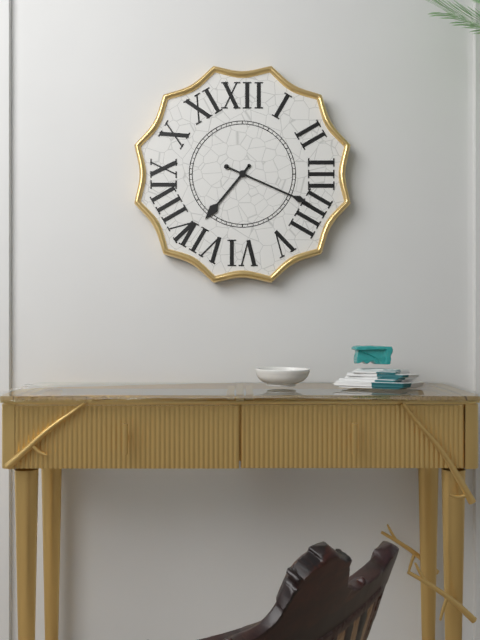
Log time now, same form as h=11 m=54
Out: h=7 m=19
